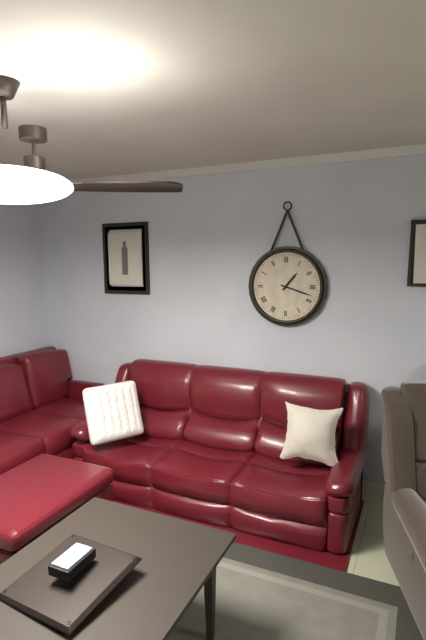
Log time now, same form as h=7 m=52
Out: h=1 m=18
